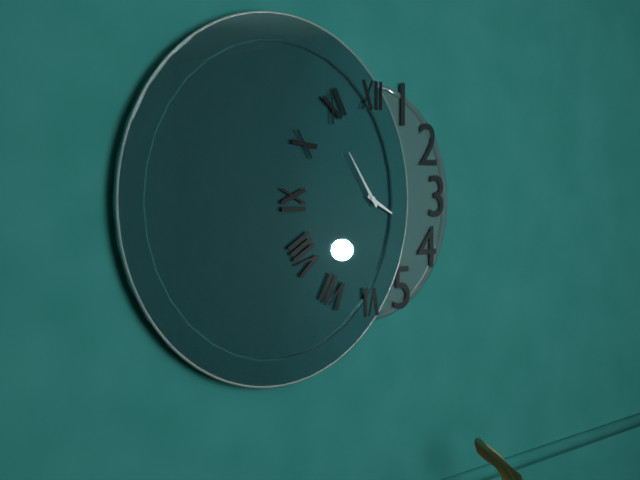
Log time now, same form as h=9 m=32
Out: h=3 m=54
